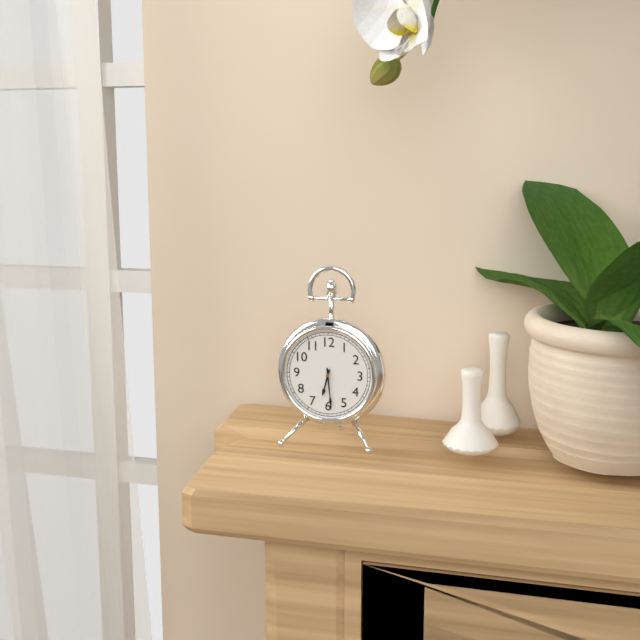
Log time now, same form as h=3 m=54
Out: h=6 m=29
